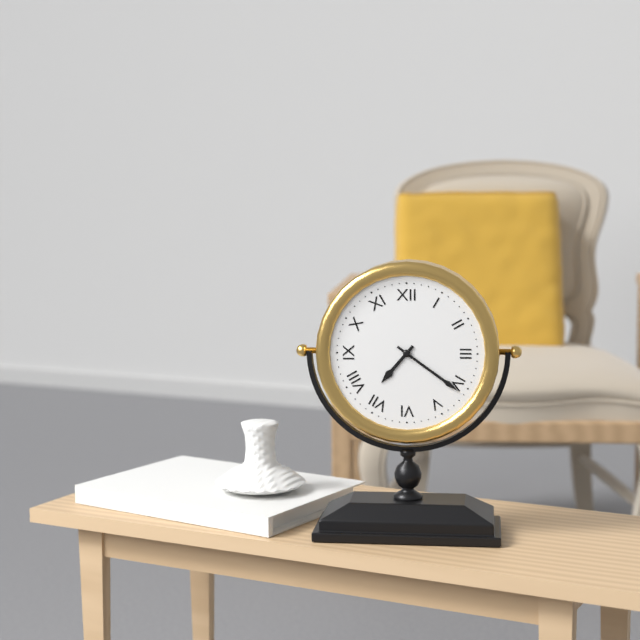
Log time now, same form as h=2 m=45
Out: h=7 m=21
